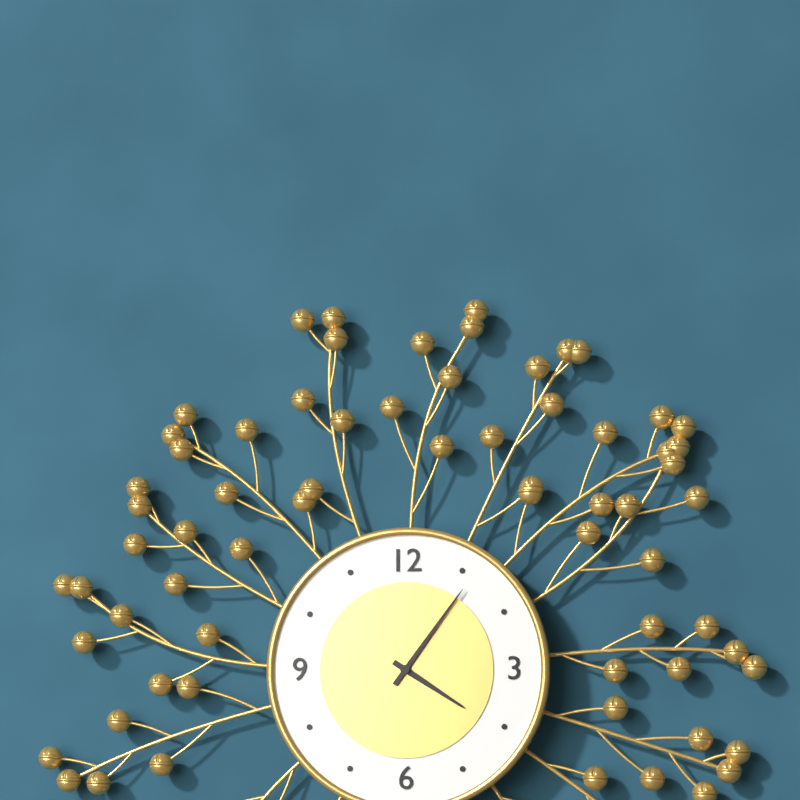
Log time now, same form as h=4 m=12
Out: h=4 m=6
